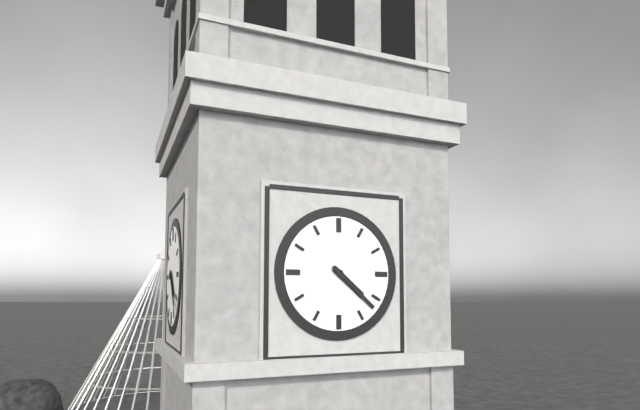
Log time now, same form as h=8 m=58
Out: h=4 m=22
